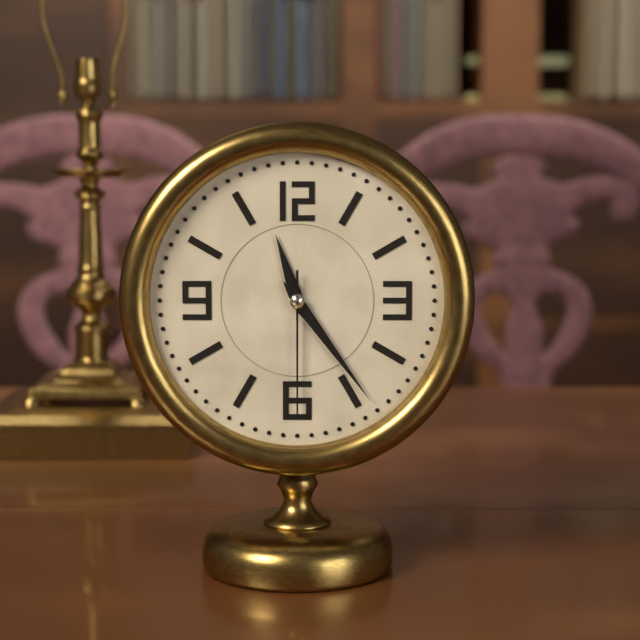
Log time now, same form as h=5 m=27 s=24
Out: h=11 m=24 s=30
